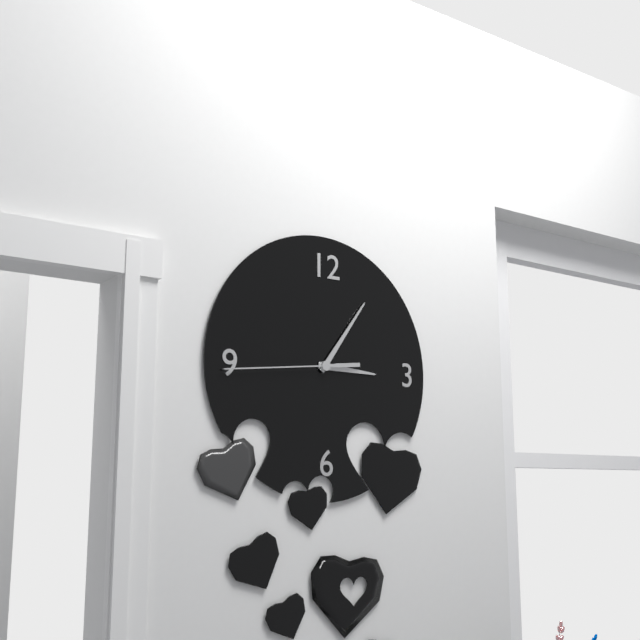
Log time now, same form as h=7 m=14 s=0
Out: h=3 m=6 s=44
